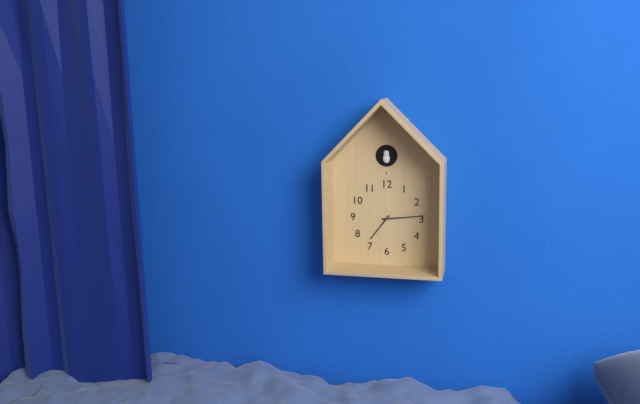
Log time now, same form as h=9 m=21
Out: h=7 m=14
